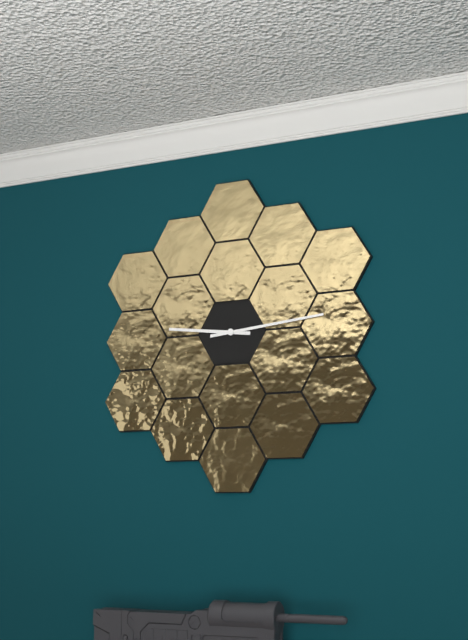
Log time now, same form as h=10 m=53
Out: h=9 m=14
